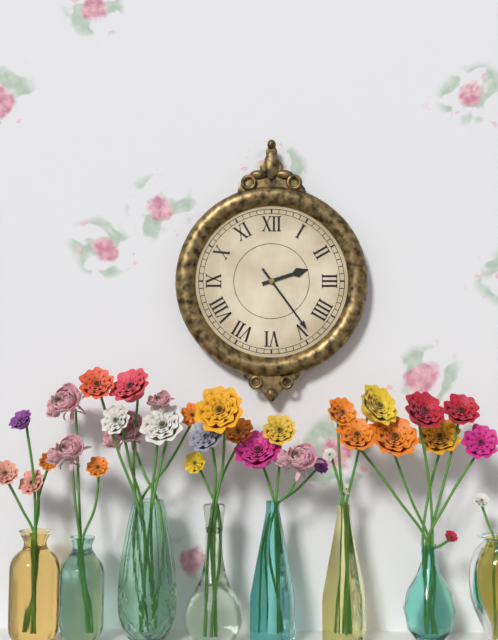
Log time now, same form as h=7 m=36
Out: h=2 m=24
